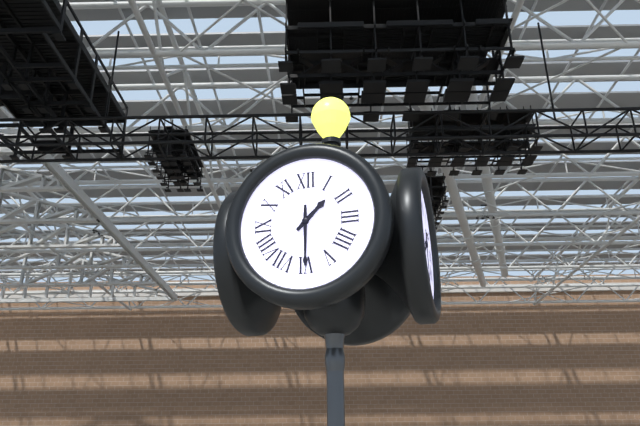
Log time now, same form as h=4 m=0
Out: h=1 m=30
